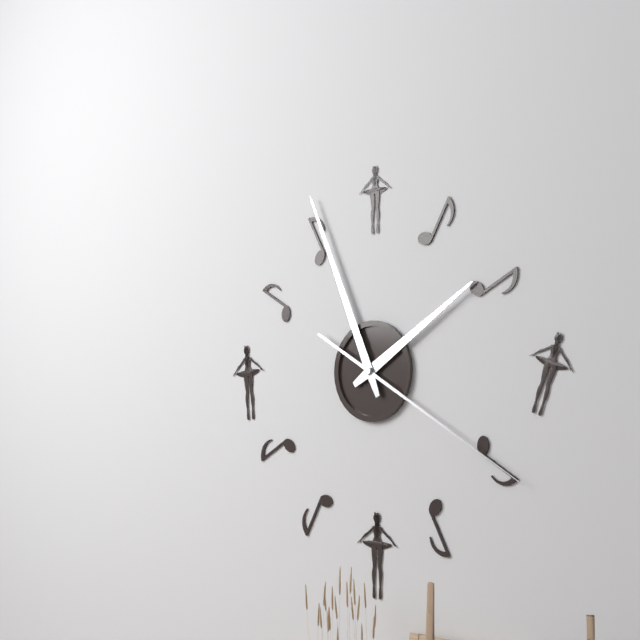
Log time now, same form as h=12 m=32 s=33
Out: h=1 m=56 s=20
